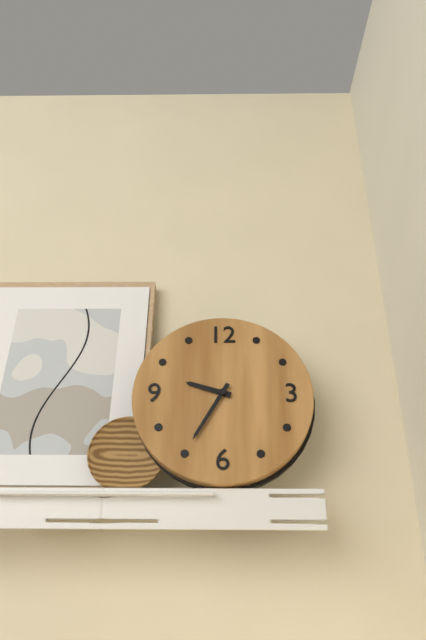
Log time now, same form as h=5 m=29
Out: h=9 m=35
